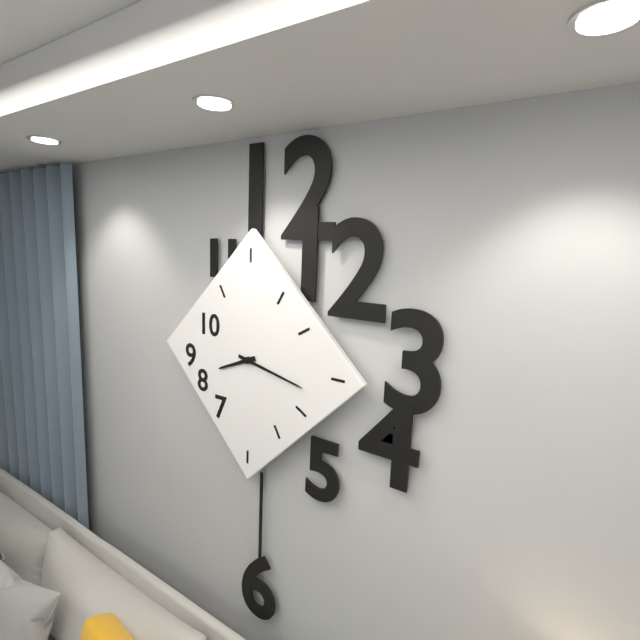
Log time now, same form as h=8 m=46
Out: h=8 m=17
